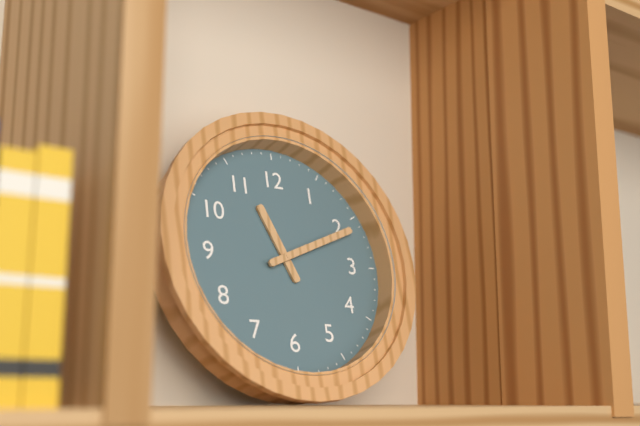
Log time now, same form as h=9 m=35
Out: h=11 m=11
